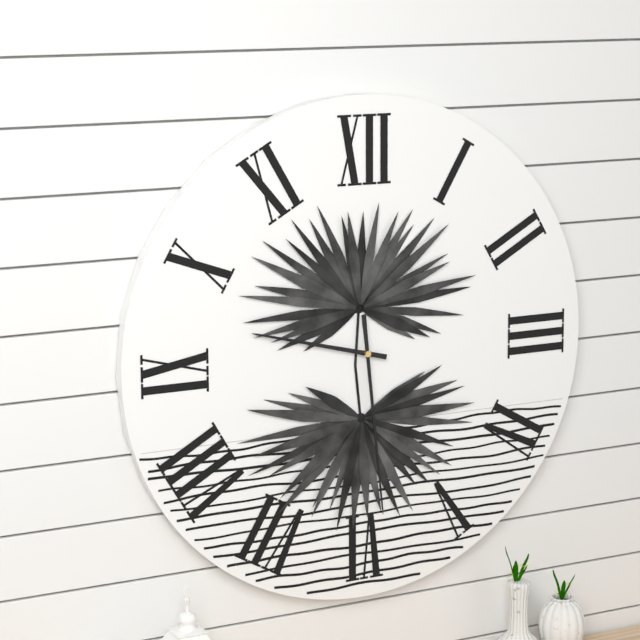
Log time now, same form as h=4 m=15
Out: h=9 m=29
